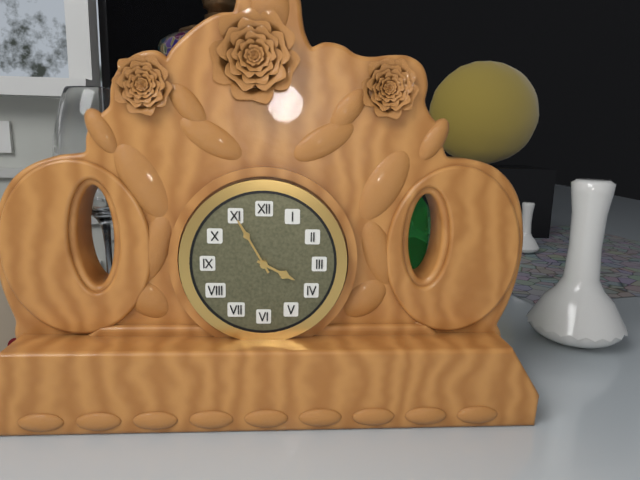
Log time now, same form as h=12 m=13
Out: h=3 m=55
